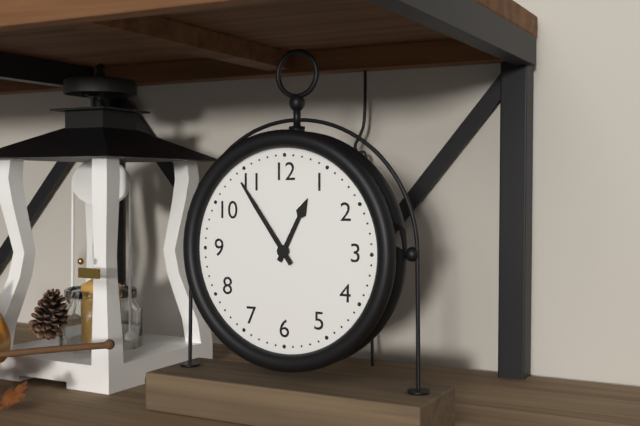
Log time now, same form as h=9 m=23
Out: h=12 m=54
